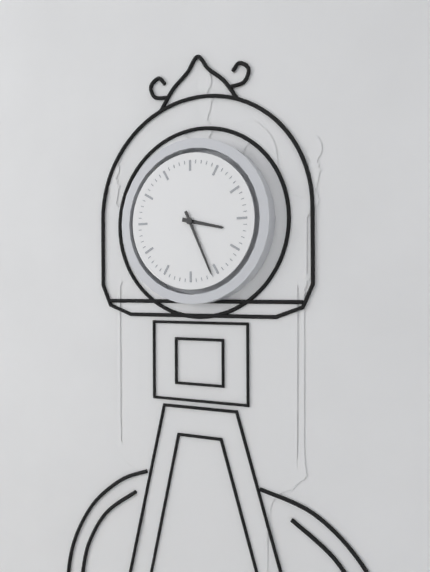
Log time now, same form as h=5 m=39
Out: h=3 m=26
